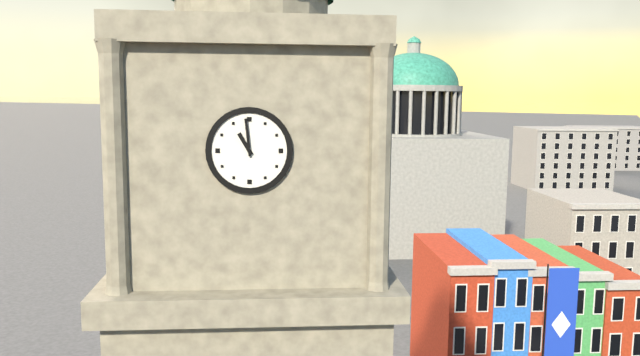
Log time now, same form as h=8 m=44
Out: h=10 m=59
